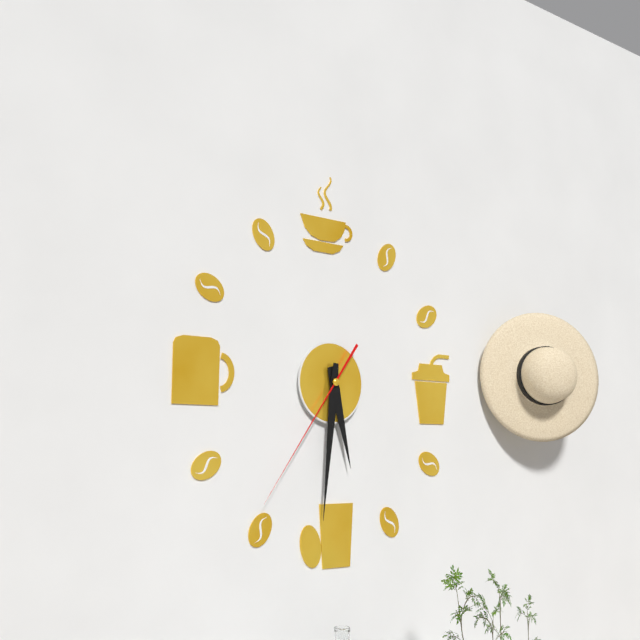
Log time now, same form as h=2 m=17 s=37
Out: h=5 m=31 s=36
